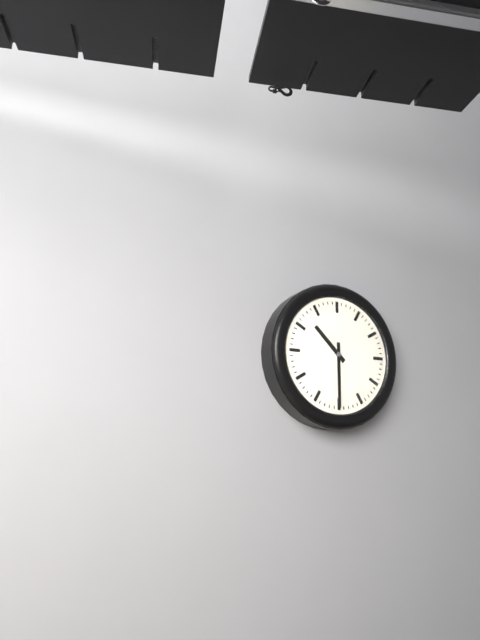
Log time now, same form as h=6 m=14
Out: h=10 m=30
